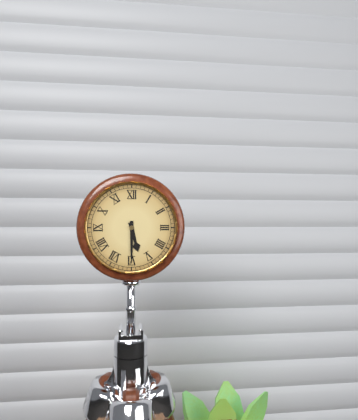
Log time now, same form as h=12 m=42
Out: h=5 m=30
